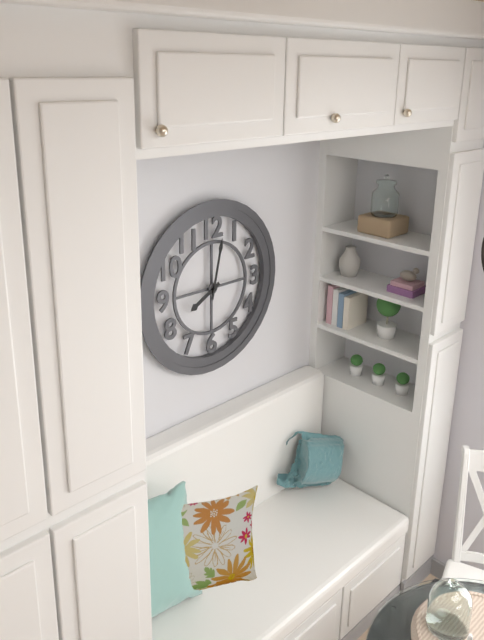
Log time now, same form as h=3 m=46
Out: h=8 m=2
